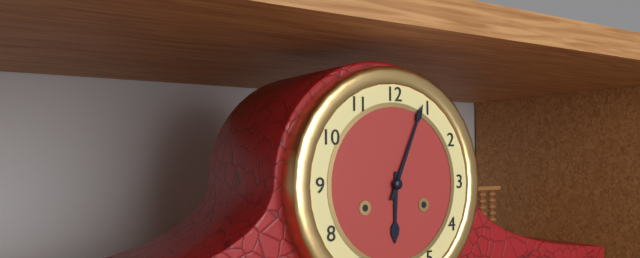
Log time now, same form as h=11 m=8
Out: h=6 m=4
